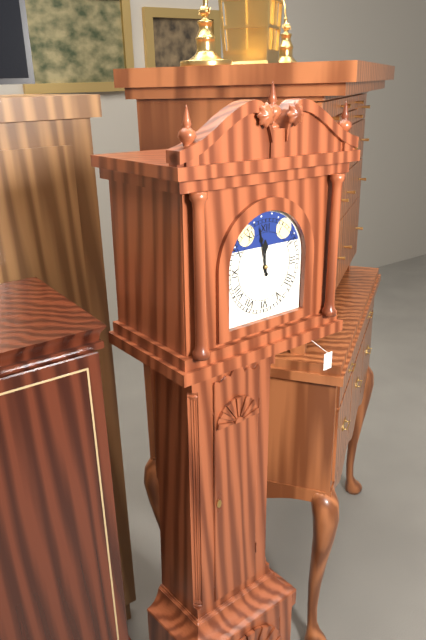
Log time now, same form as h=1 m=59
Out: h=11 m=58
